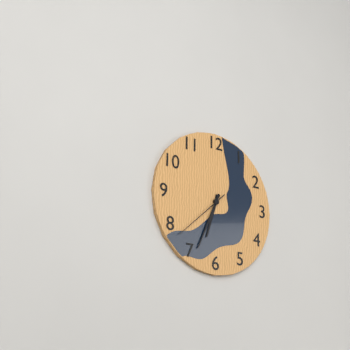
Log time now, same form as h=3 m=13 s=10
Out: h=6 m=34 s=38
